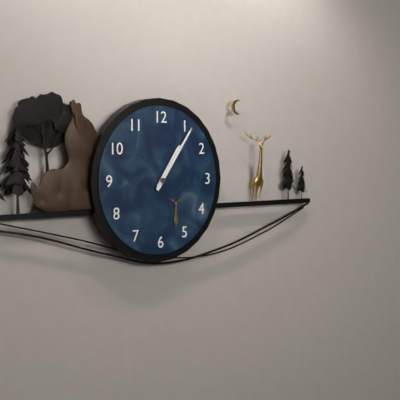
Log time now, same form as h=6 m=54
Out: h=1 m=6
